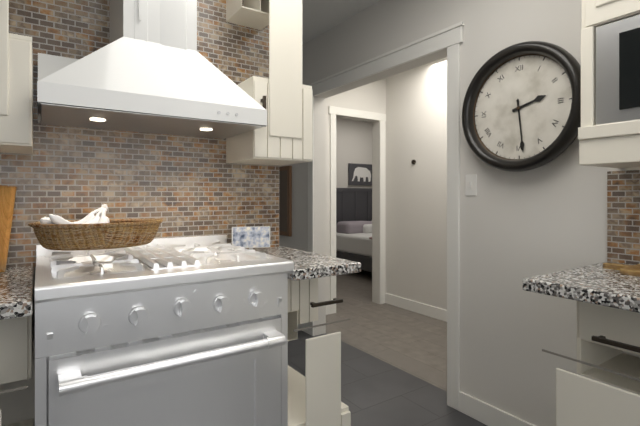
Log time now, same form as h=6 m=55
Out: h=2 m=29
